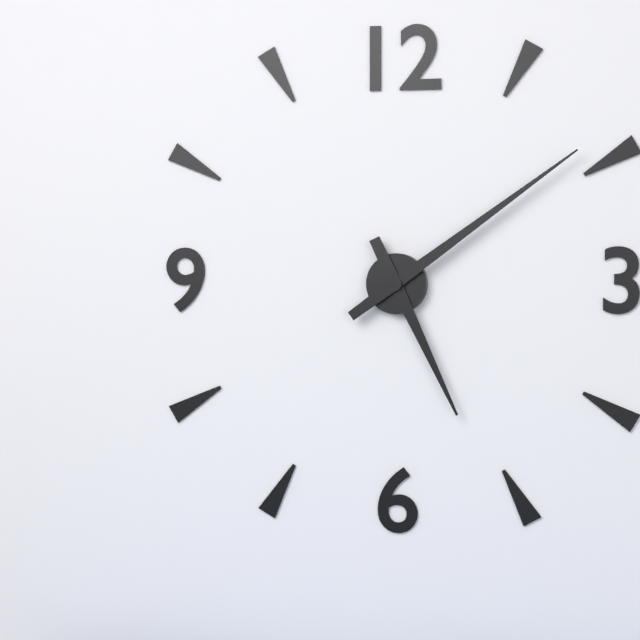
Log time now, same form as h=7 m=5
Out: h=5 m=9
